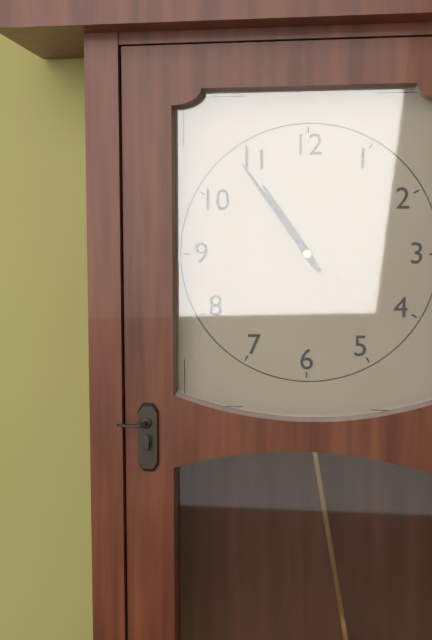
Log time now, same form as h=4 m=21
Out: h=10 m=54
